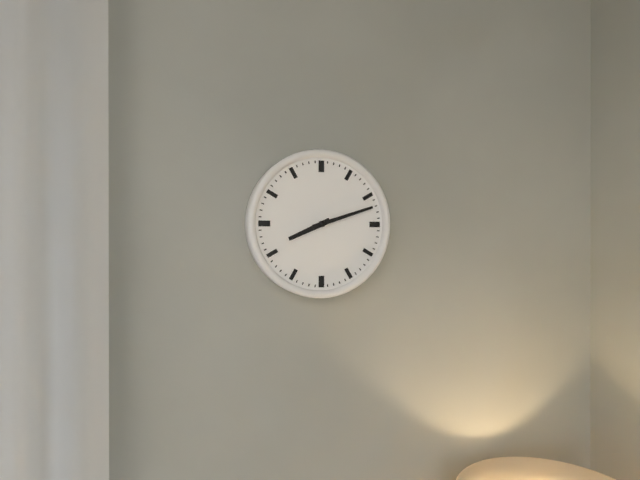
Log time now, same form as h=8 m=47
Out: h=8 m=12
